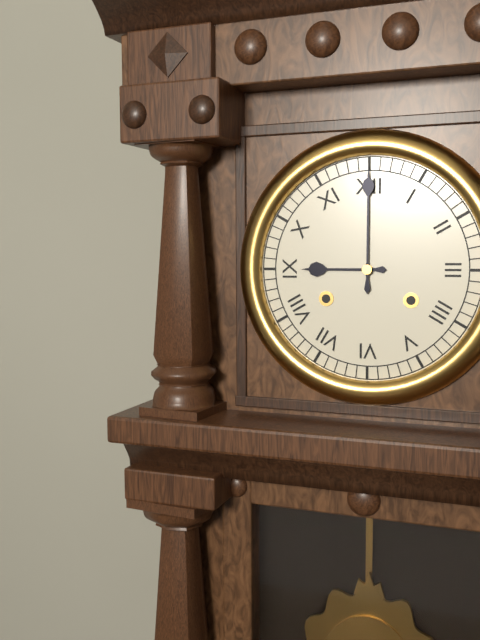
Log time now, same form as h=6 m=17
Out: h=9 m=0
